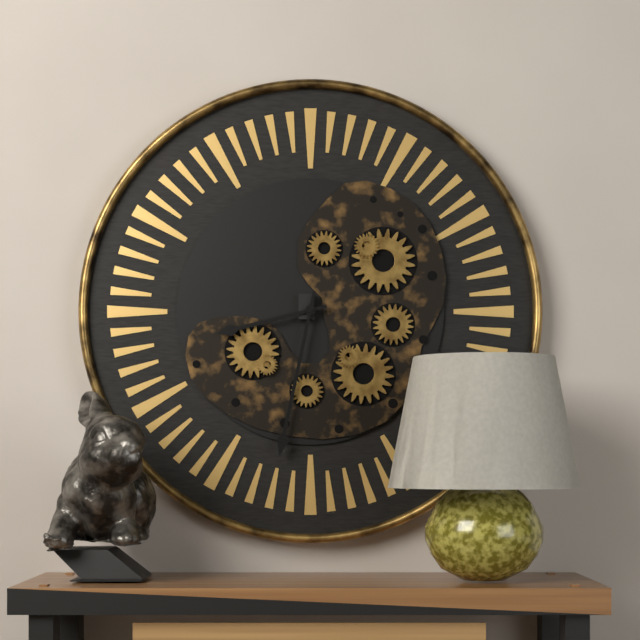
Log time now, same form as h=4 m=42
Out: h=8 m=32
